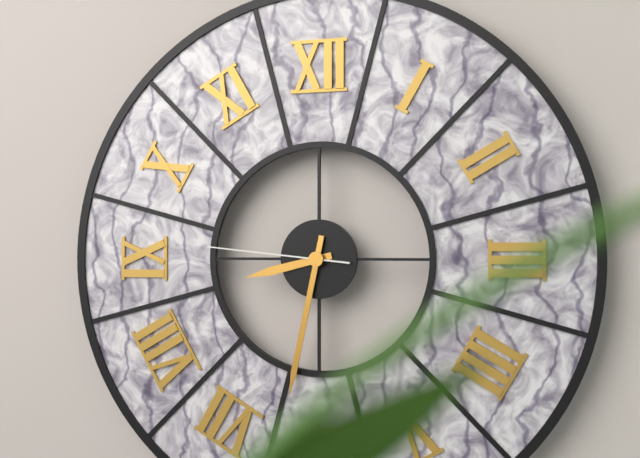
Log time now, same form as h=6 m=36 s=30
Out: h=8 m=32 s=46
